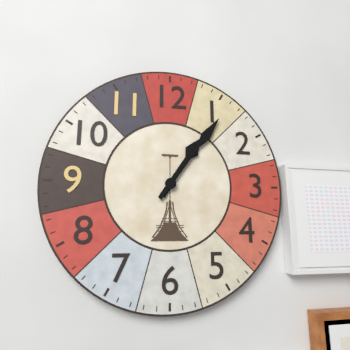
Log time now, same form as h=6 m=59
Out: h=1 m=6
